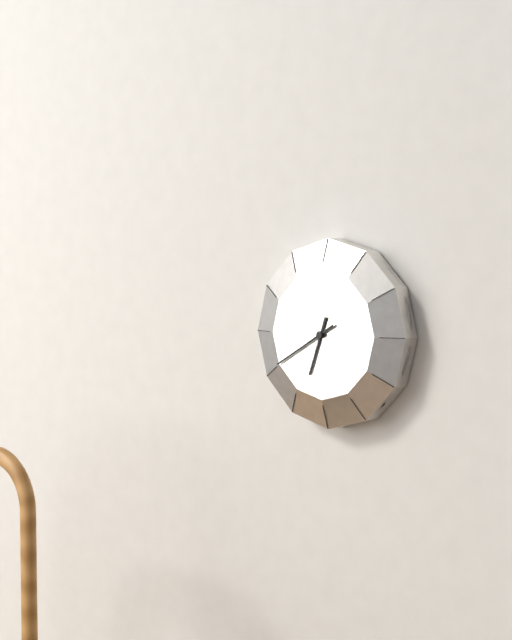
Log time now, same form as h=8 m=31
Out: h=6 m=40
